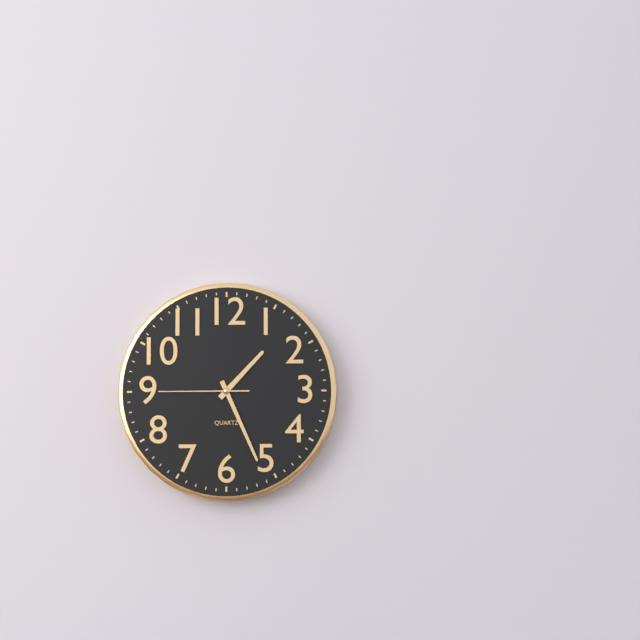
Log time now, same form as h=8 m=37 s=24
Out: h=1 m=26 s=45
